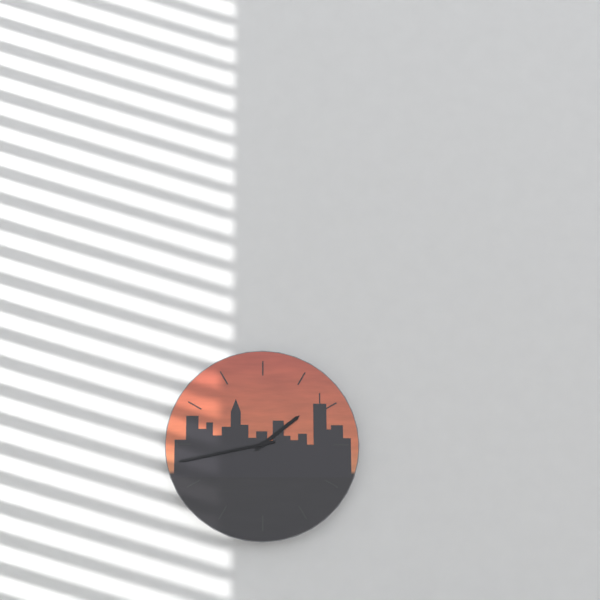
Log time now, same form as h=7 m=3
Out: h=1 m=43
